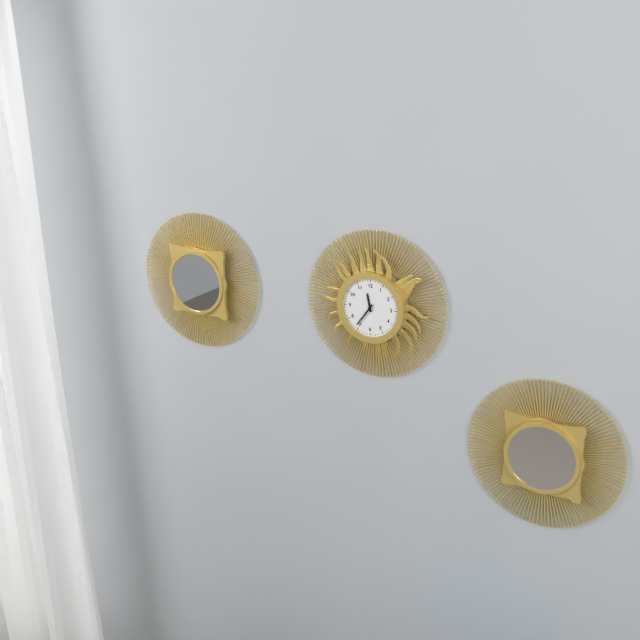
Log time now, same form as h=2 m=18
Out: h=11 m=36
